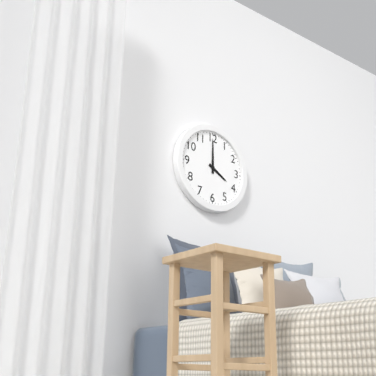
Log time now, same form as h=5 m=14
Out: h=4 m=0
